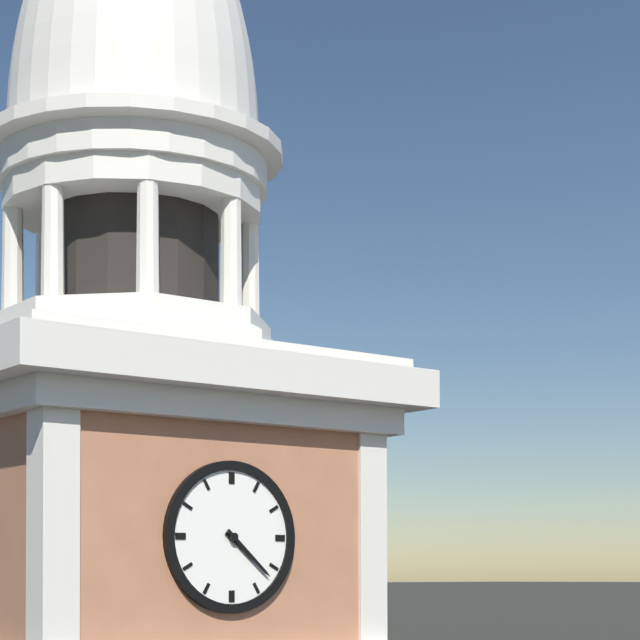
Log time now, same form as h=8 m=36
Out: h=4 m=22
